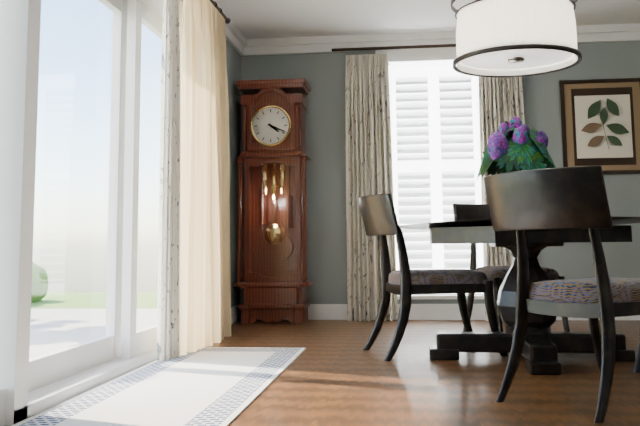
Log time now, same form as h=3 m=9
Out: h=4 m=19
